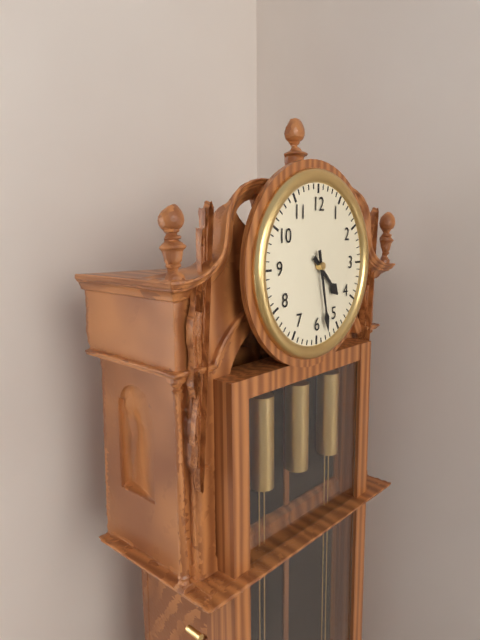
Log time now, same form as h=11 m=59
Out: h=4 m=28
